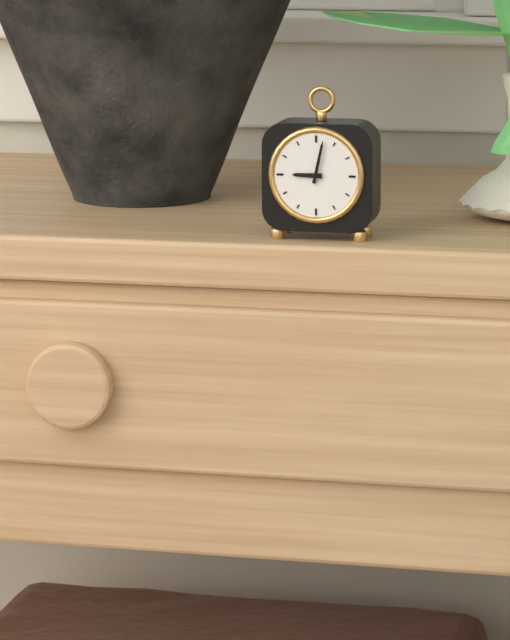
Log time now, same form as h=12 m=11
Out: h=9 m=2
